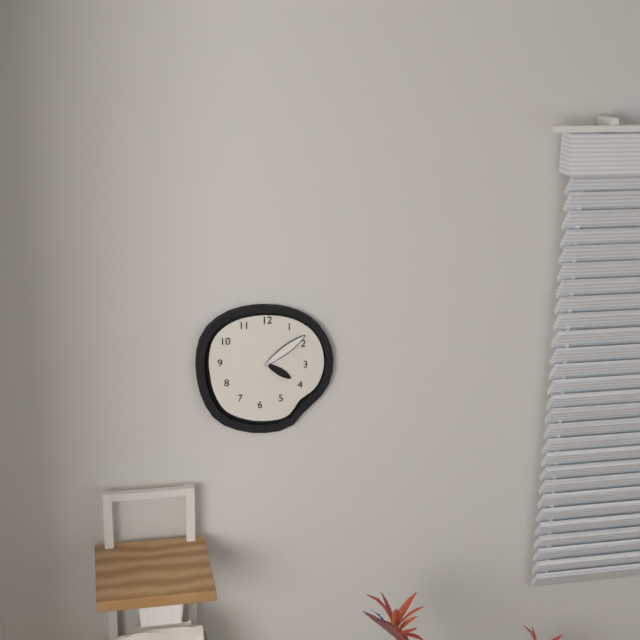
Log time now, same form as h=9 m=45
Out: h=4 m=9
